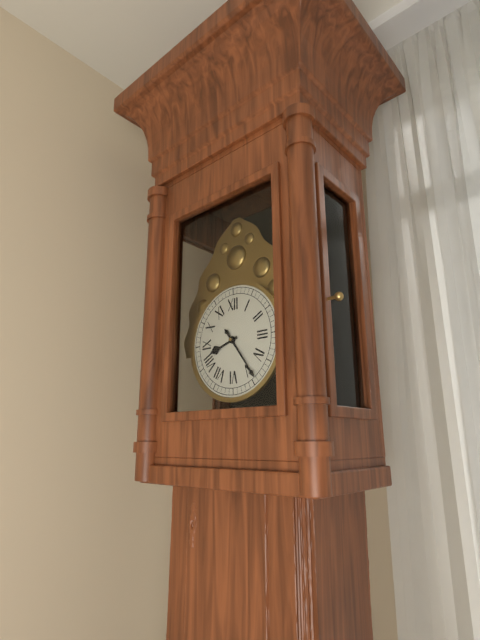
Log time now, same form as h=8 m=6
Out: h=8 m=24
